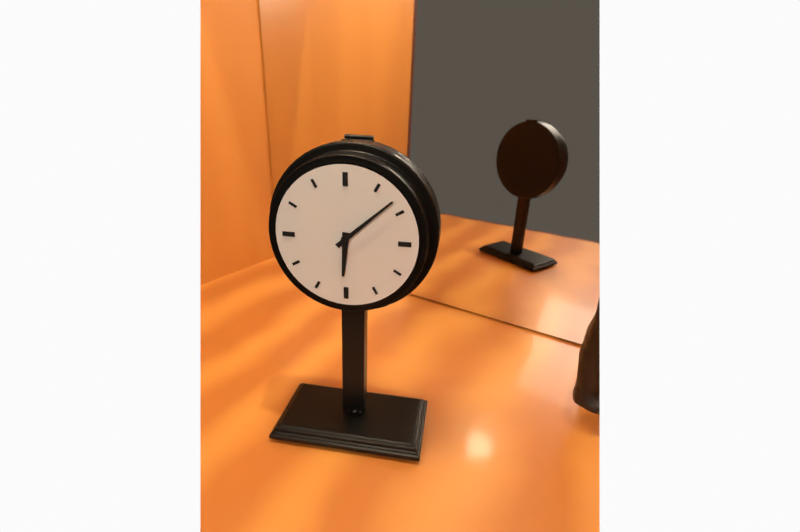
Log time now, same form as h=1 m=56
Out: h=6 m=8
